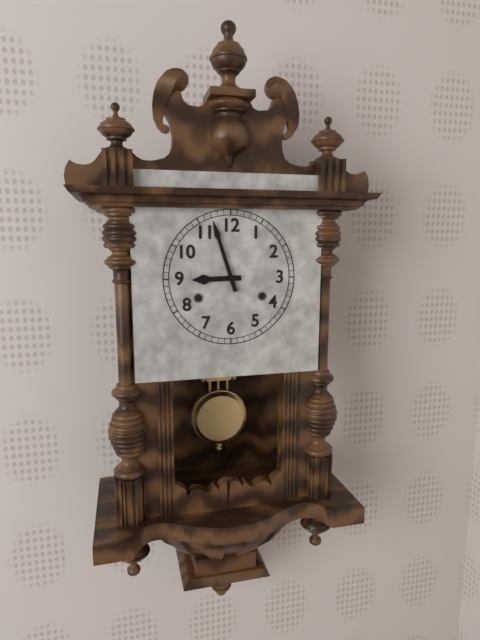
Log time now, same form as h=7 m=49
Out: h=8 m=57
